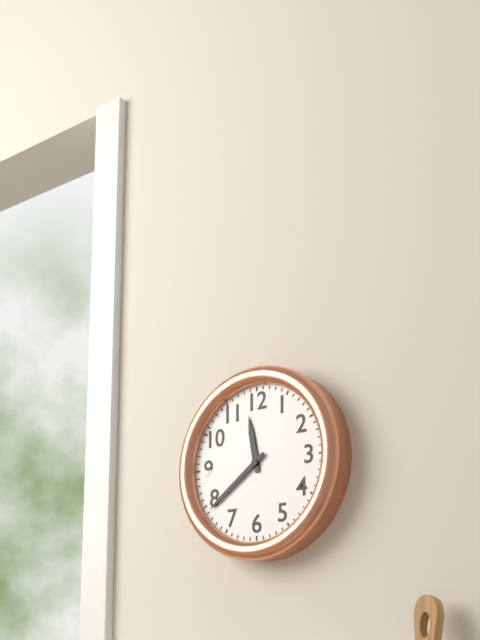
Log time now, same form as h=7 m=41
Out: h=11 m=39
